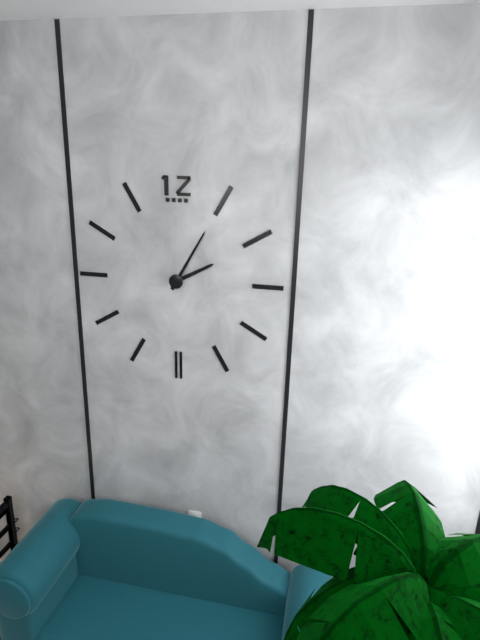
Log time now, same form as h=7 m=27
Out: h=2 m=5
